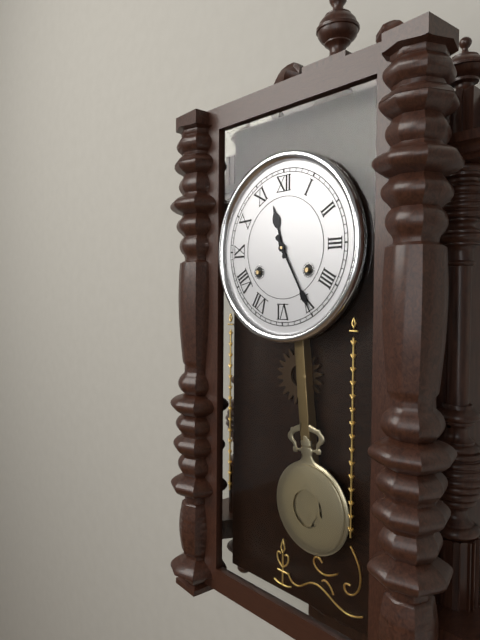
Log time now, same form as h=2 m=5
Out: h=11 m=25
